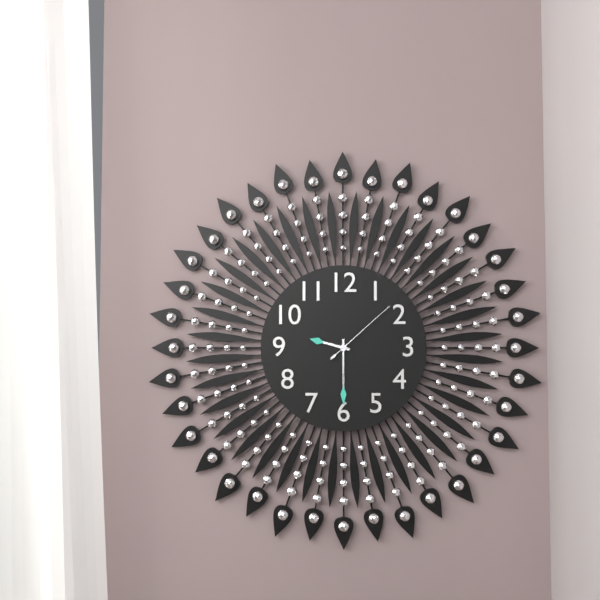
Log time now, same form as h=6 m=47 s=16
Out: h=9 m=30 s=8
